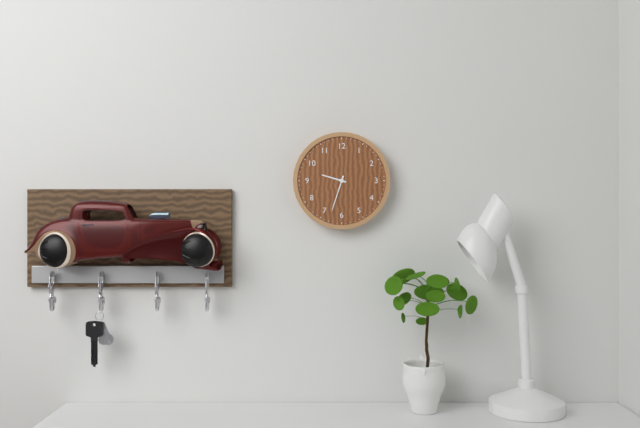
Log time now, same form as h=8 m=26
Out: h=9 m=33
